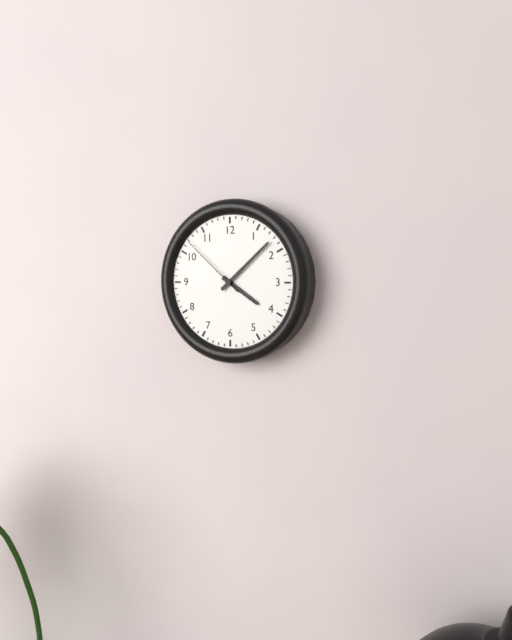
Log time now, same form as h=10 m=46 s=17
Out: h=4 m=8 s=52
